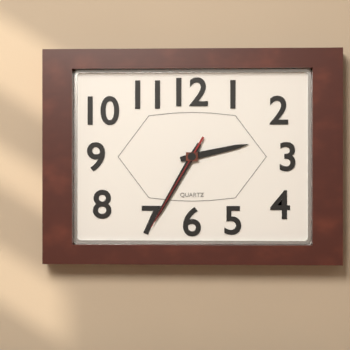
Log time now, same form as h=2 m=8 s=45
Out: h=2 m=35 s=35
